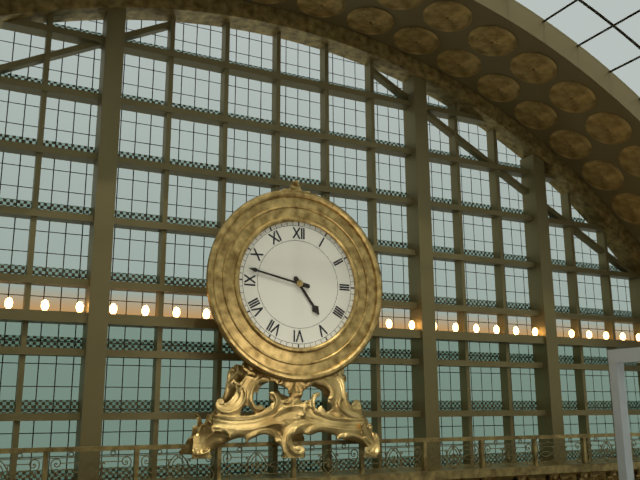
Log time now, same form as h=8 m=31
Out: h=4 m=47
